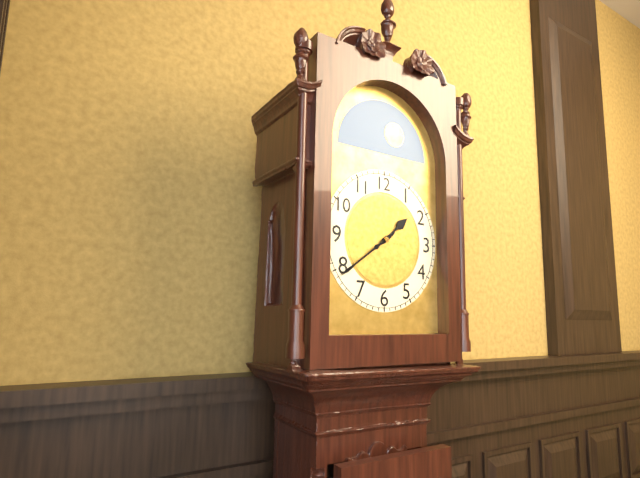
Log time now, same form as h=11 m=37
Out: h=1 m=39
